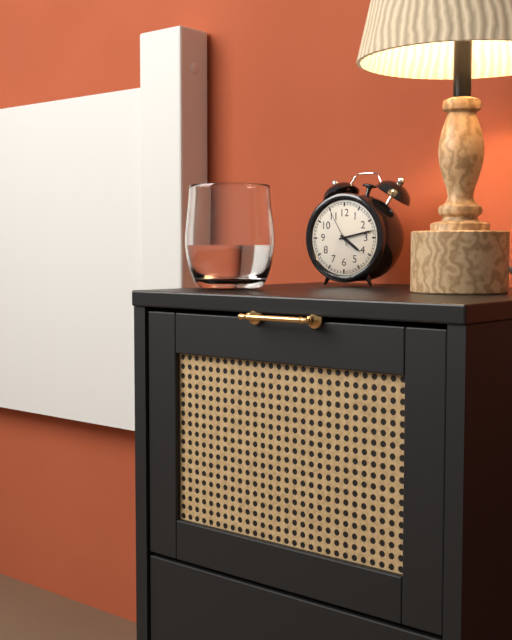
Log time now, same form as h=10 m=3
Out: h=4 m=13
